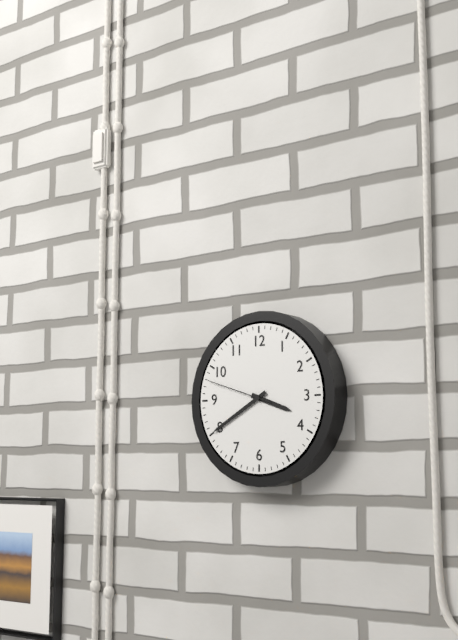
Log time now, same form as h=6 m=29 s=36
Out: h=3 m=40 s=48
